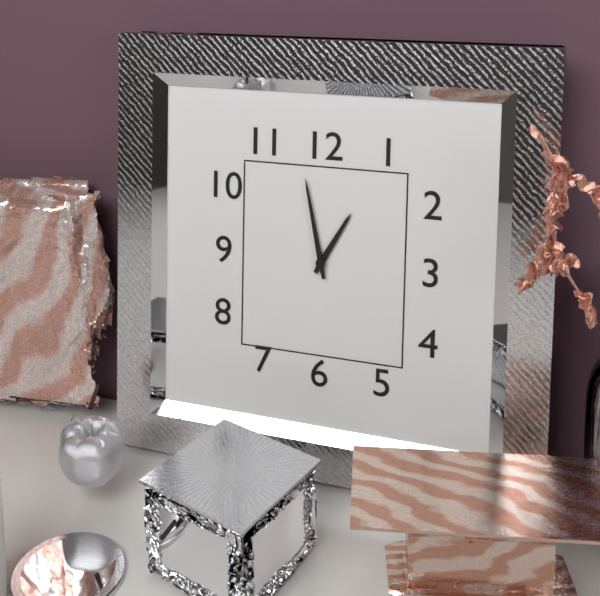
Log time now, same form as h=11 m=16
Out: h=12 m=58
